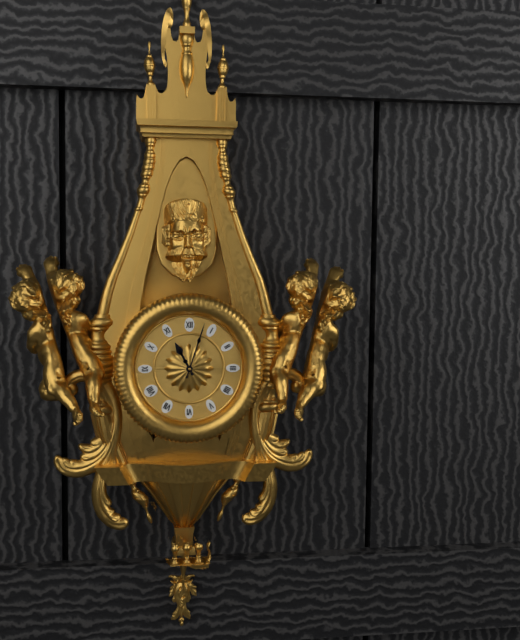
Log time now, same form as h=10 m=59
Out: h=11 m=3
